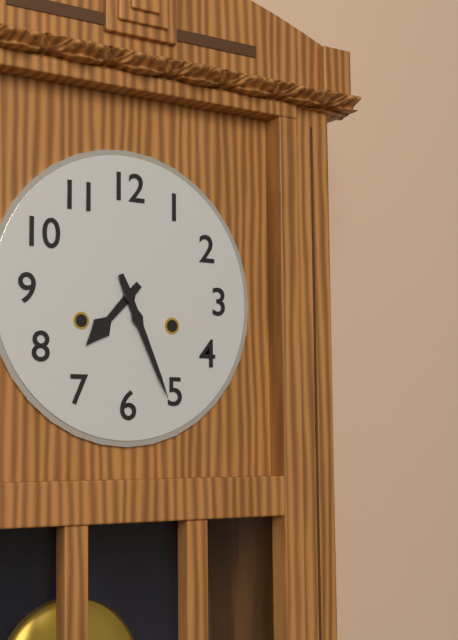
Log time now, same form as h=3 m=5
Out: h=7 m=26
